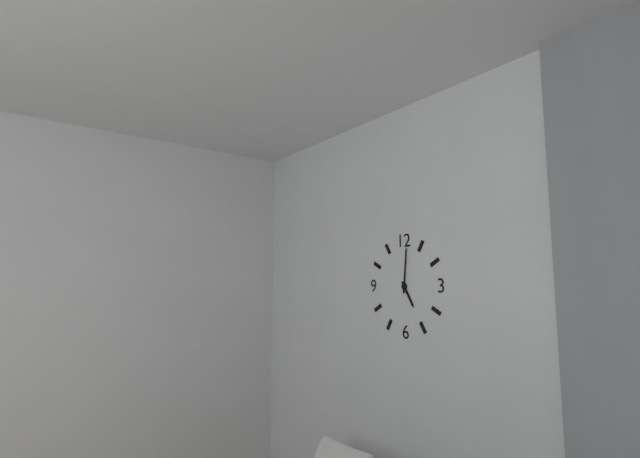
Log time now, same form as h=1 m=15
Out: h=5 m=1
